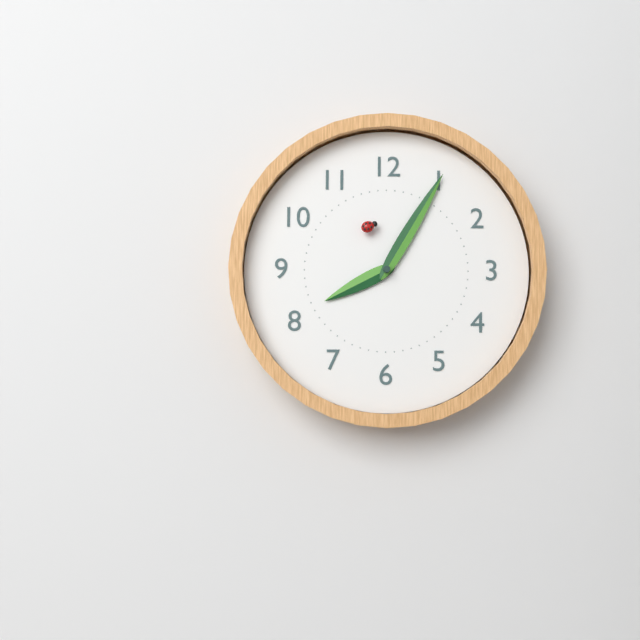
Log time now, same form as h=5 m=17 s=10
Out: h=8 m=5 s=56
